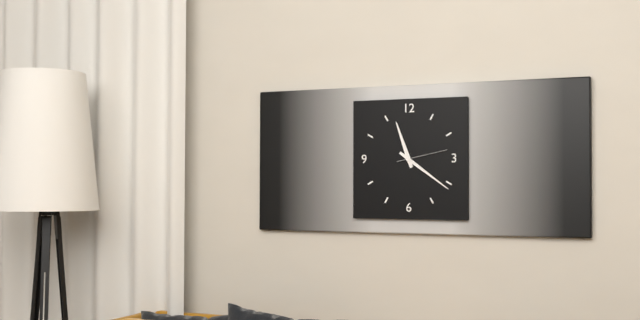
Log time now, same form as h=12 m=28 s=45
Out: h=11 m=21 s=13
